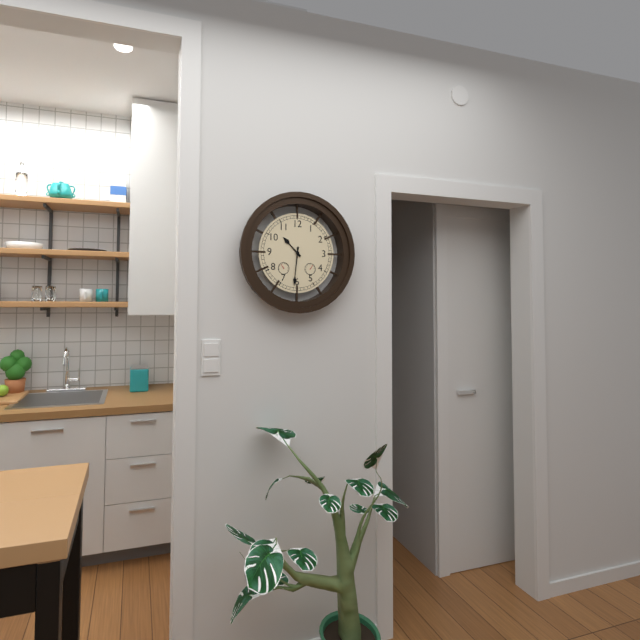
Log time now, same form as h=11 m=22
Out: h=10 m=31
